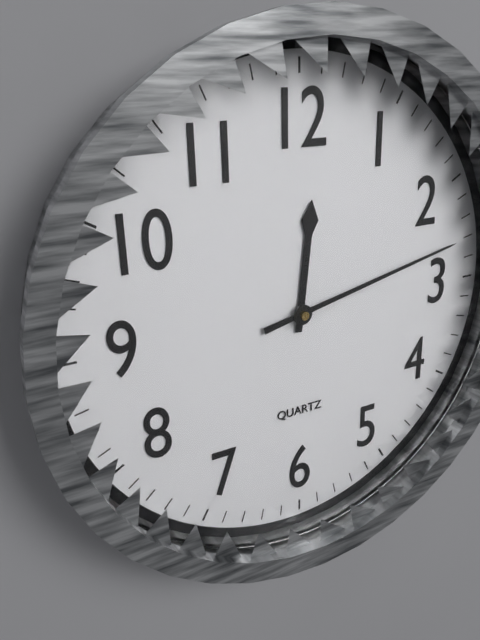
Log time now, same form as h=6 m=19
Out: h=12 m=13
